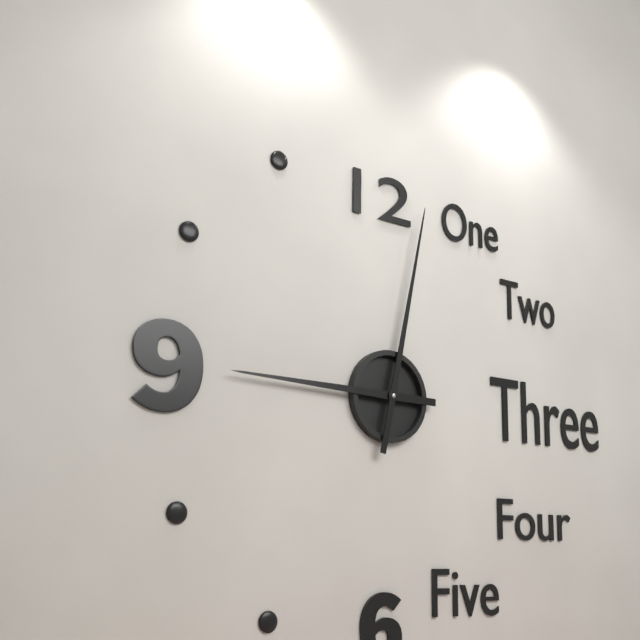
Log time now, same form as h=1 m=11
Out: h=9 m=2
